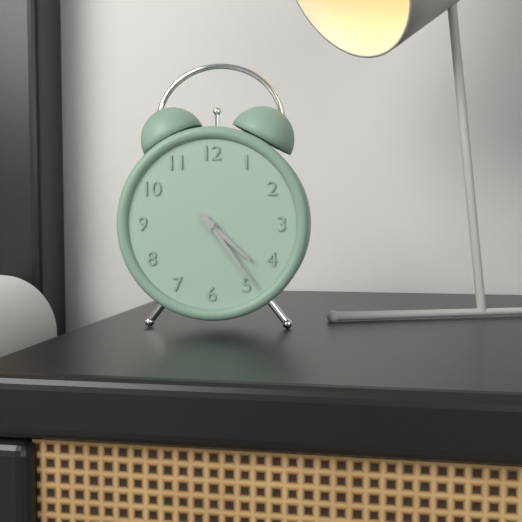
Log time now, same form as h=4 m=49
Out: h=4 m=24
